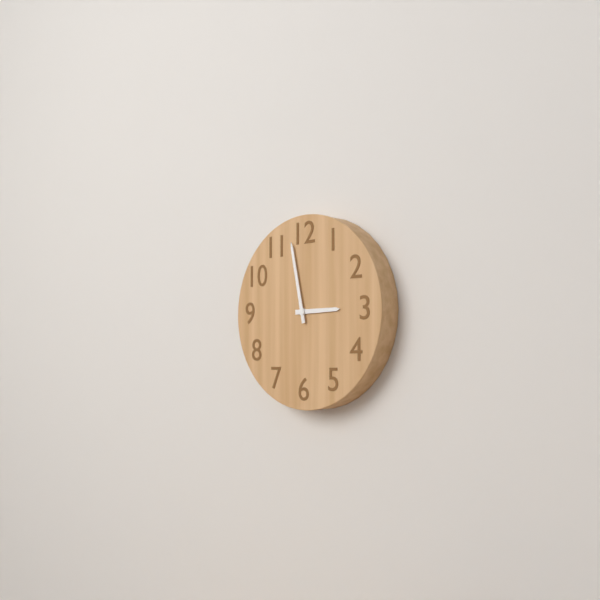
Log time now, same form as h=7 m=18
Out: h=2 m=58
